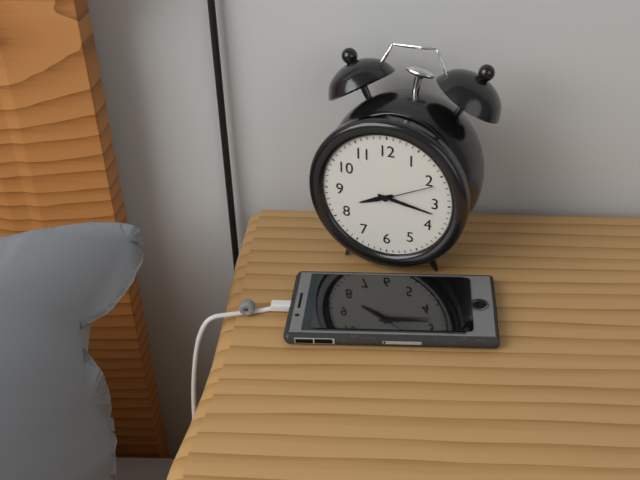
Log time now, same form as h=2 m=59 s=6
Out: h=8 m=17 s=11
